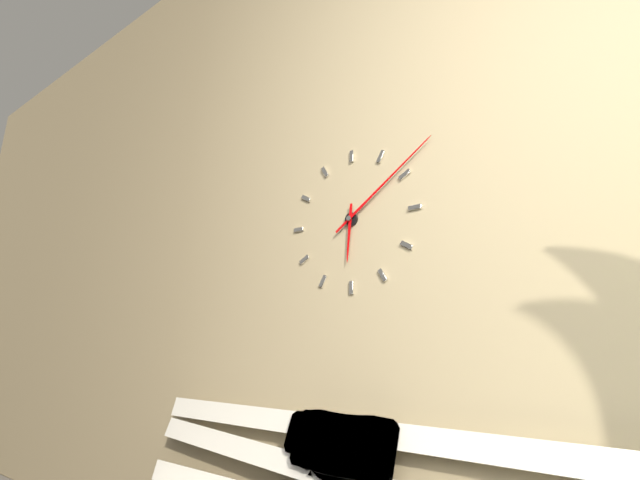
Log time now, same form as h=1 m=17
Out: h=6 m=9
